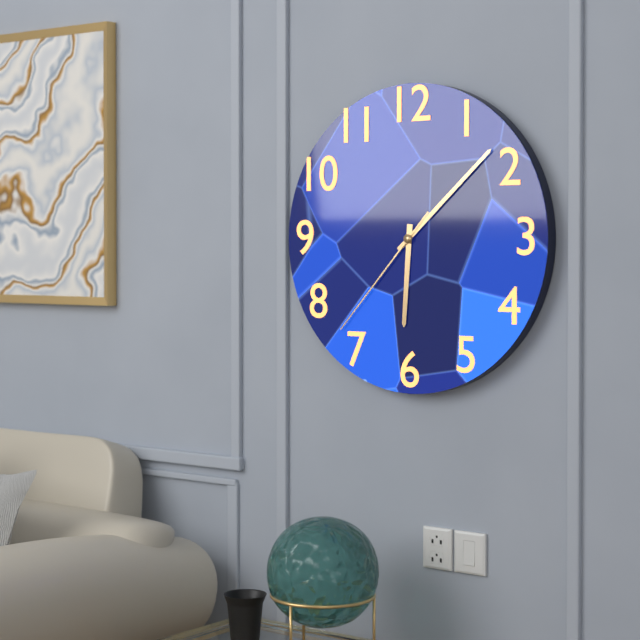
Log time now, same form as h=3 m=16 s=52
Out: h=6 m=8 s=37
